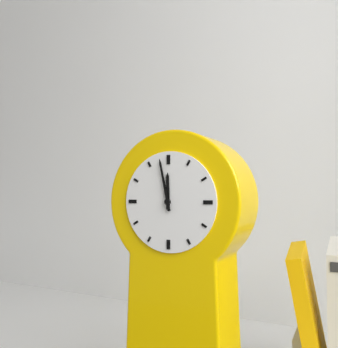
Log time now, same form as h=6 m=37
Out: h=11 m=58
